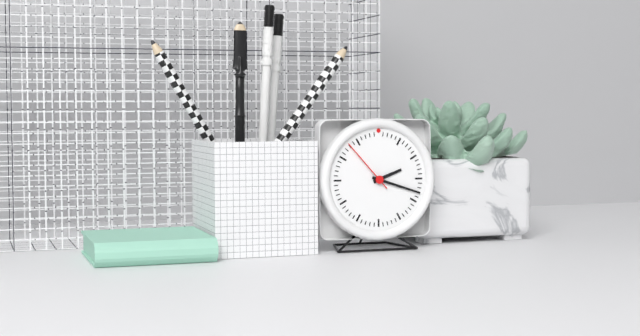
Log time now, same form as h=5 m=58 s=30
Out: h=2 m=18 s=53
